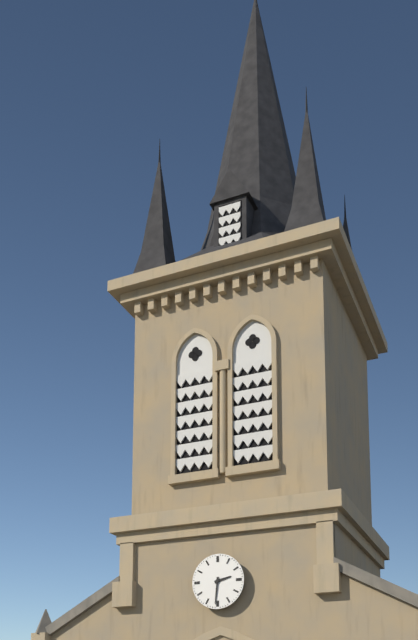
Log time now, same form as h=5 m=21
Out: h=2 m=31
